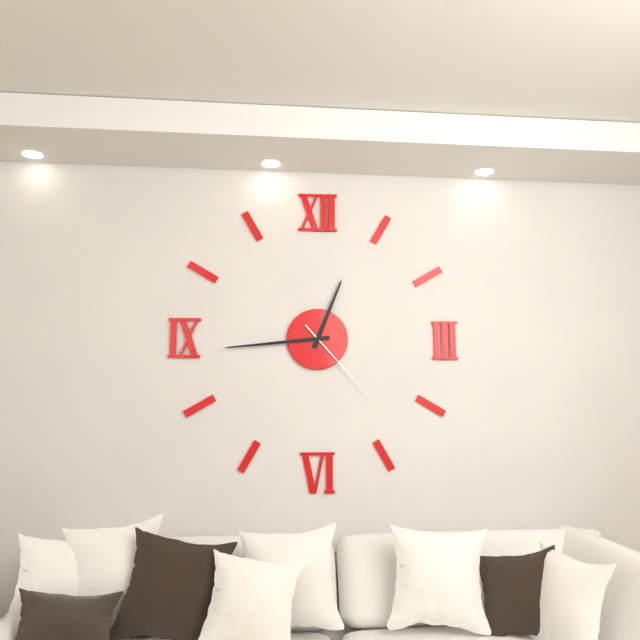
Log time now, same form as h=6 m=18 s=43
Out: h=12 m=44 s=23
